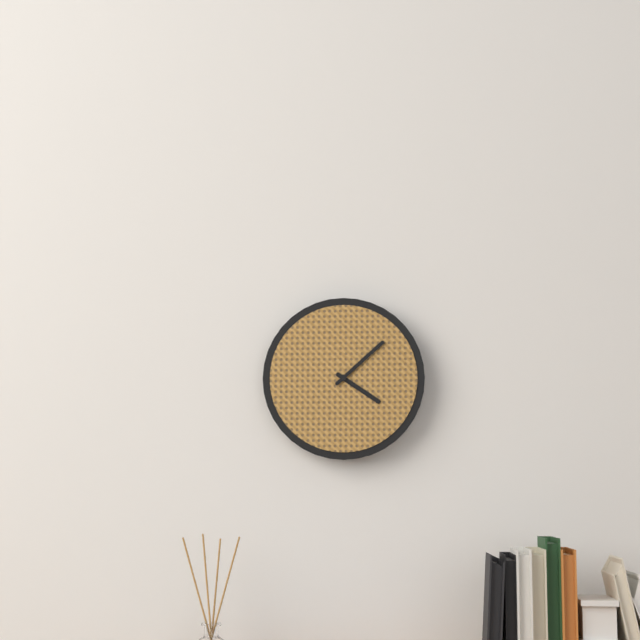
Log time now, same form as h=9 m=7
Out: h=4 m=8
